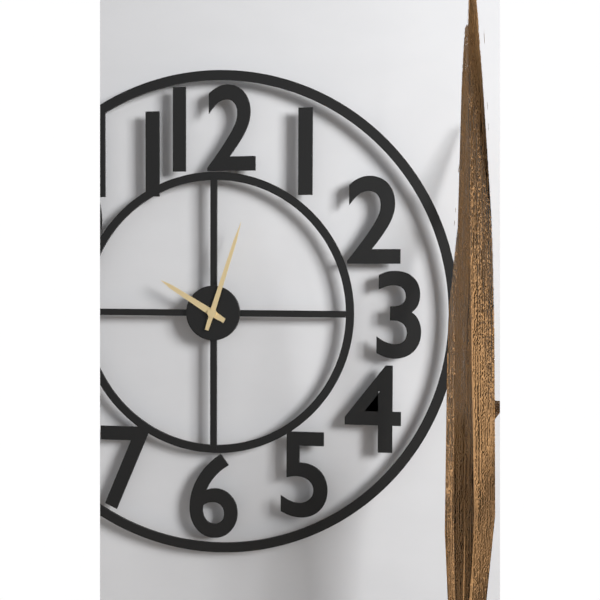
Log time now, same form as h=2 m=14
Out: h=10 m=3
